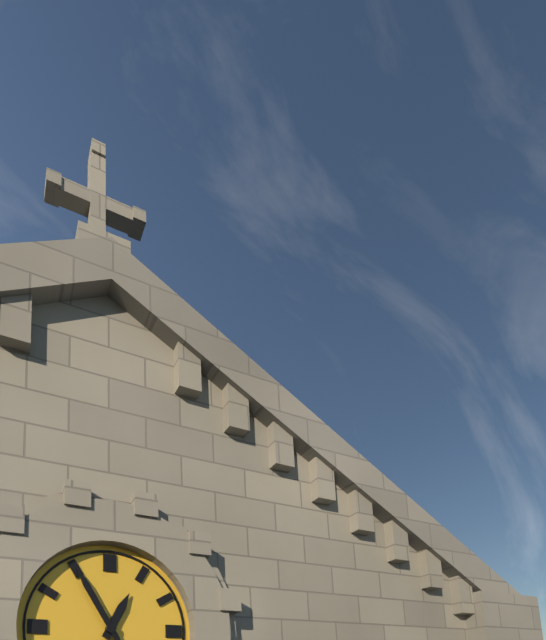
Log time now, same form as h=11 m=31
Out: h=12 m=55
